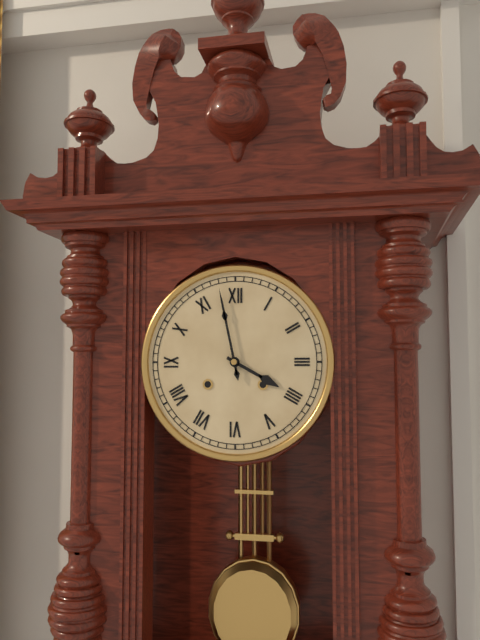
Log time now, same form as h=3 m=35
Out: h=3 m=58
